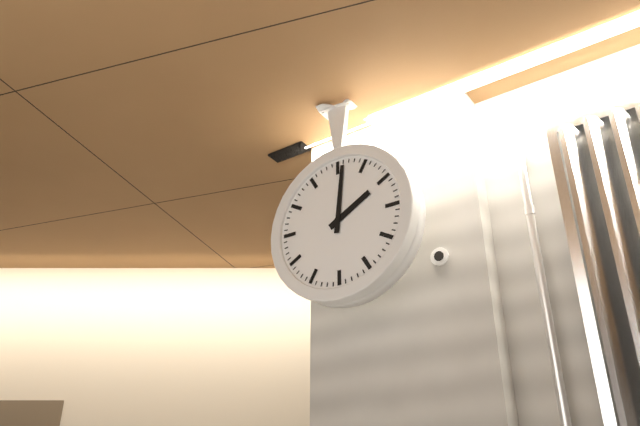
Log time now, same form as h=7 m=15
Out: h=2 m=1
